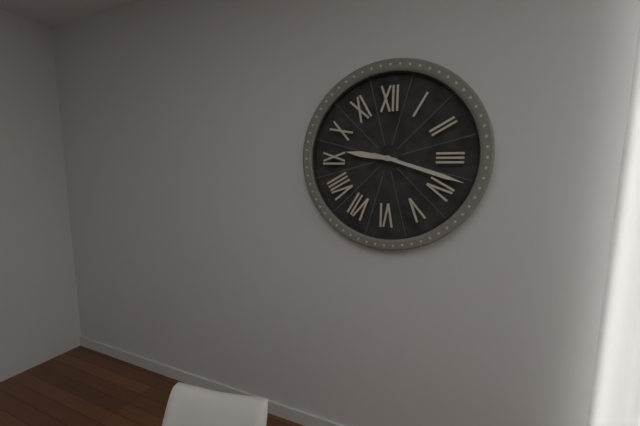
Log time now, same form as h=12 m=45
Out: h=9 m=18
